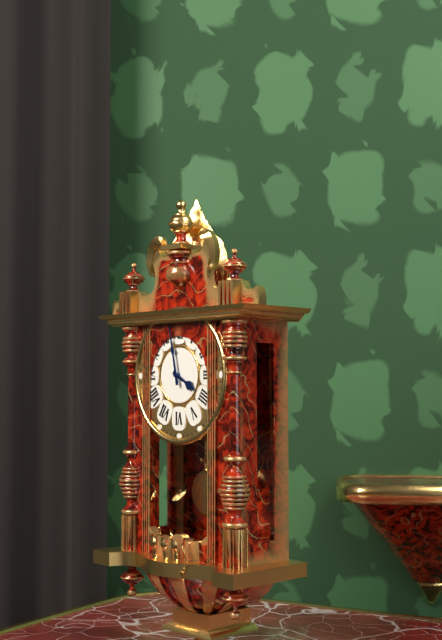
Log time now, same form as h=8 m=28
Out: h=3 m=58
